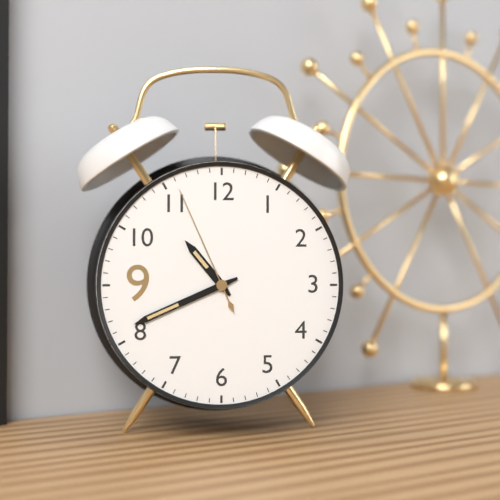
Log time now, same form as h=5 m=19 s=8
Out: h=10 m=41 s=56
